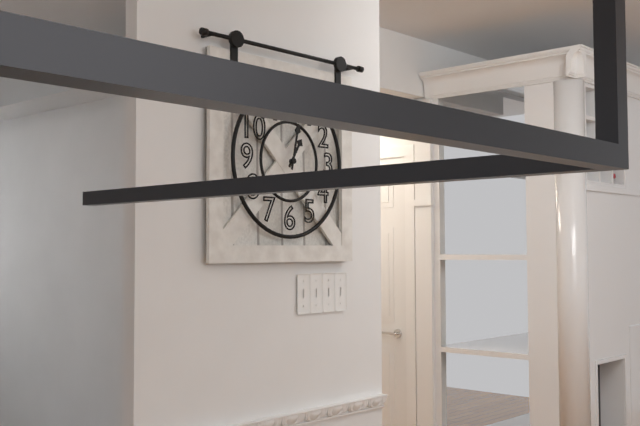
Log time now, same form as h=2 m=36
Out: h=1 m=2
